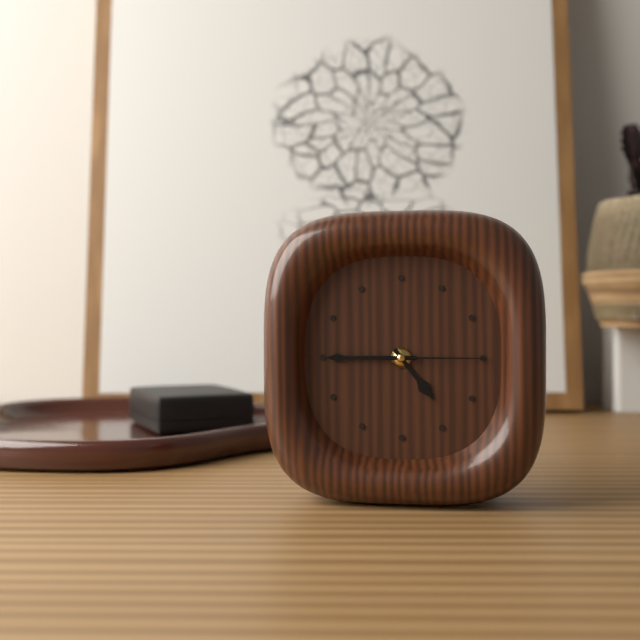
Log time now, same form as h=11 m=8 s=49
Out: h=4 m=45 s=15
